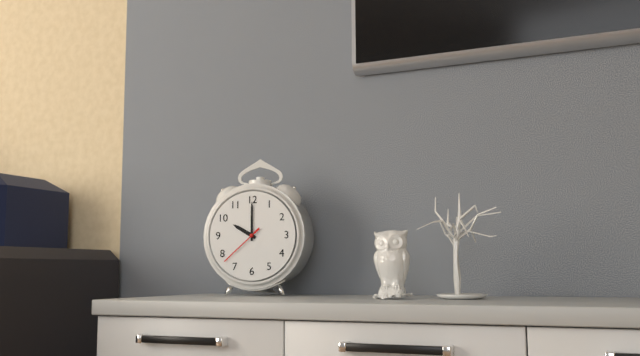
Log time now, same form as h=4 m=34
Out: h=10 m=0
